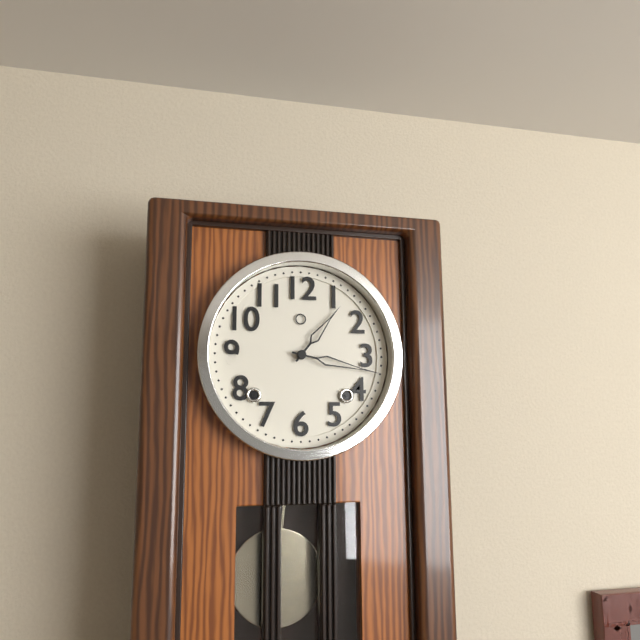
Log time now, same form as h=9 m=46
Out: h=1 m=17
